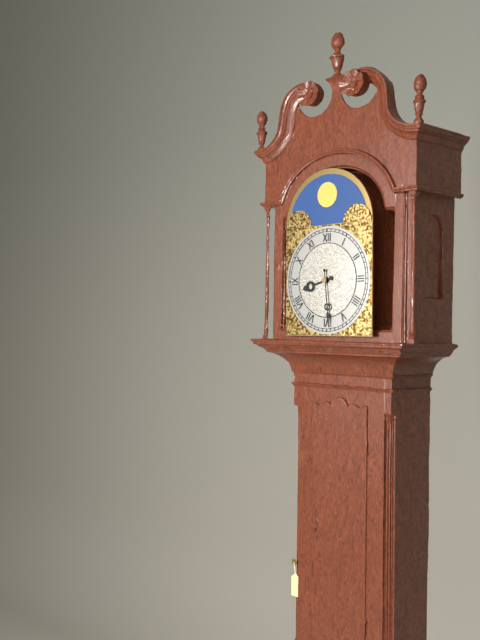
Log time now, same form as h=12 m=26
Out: h=8 m=29
